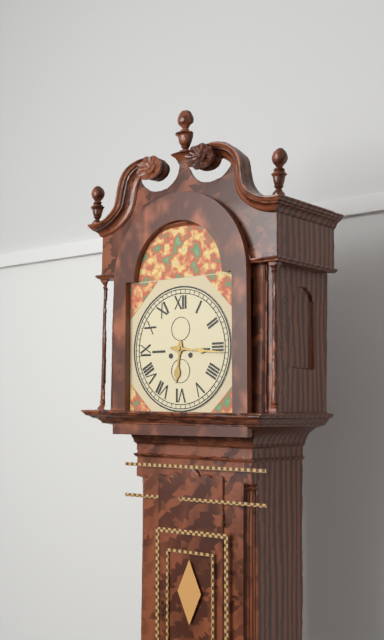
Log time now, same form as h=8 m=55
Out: h=6 m=16
